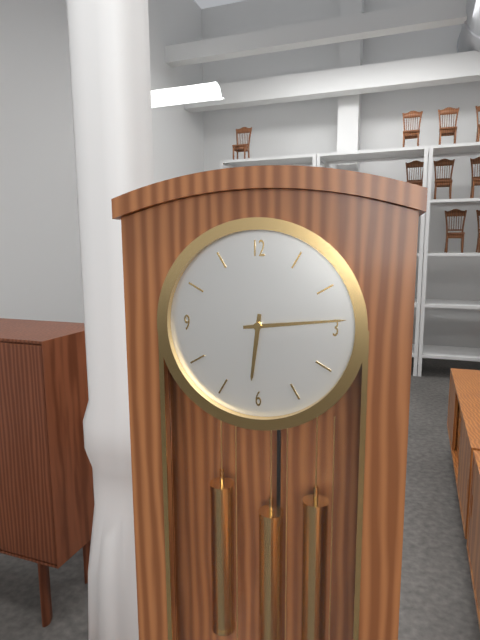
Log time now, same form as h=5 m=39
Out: h=6 m=14
